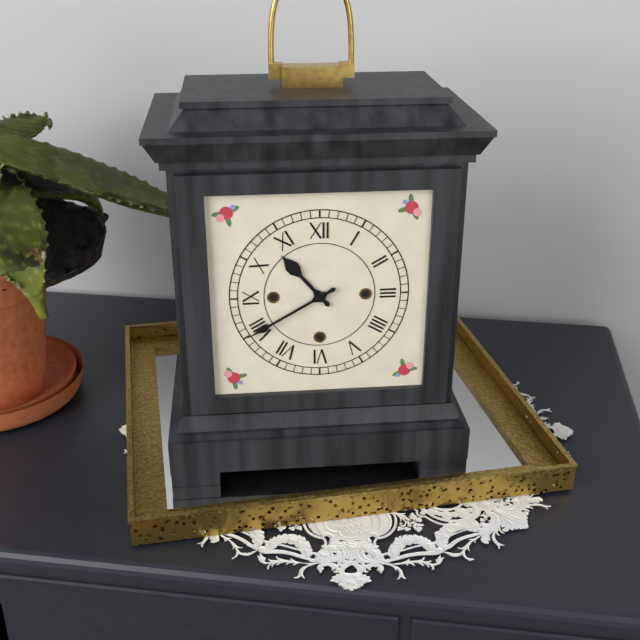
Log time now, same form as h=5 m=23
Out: h=10 m=40
